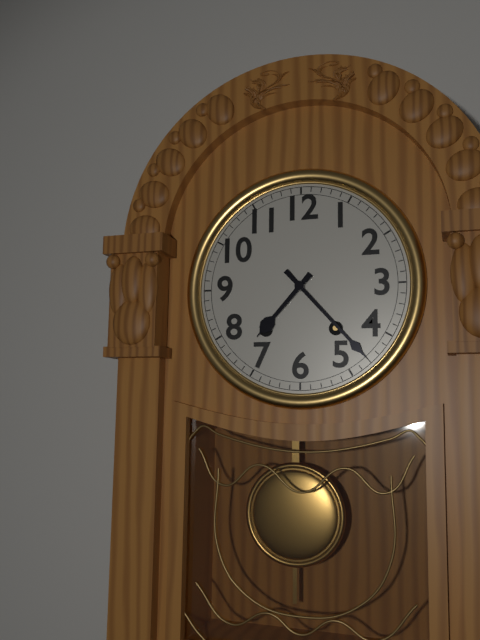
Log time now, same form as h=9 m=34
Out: h=7 m=23
